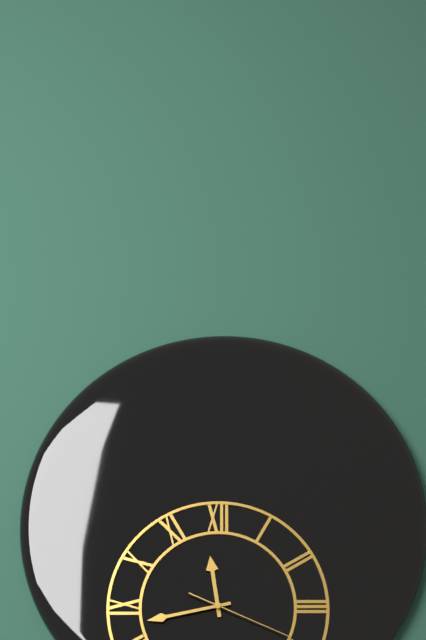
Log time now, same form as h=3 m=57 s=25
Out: h=11 m=43 s=19
